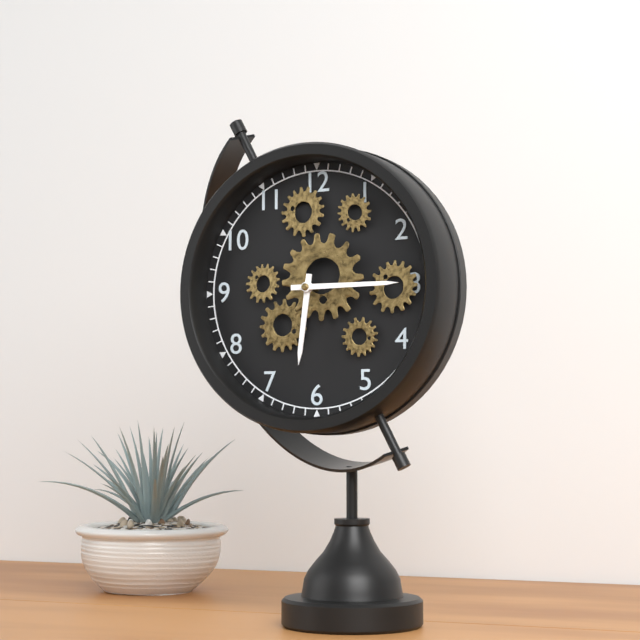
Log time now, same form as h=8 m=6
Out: h=6 m=15
